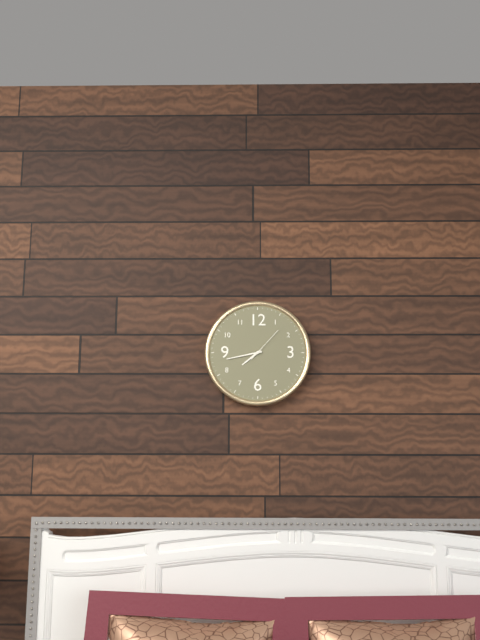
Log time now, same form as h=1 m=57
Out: h=7 m=43
